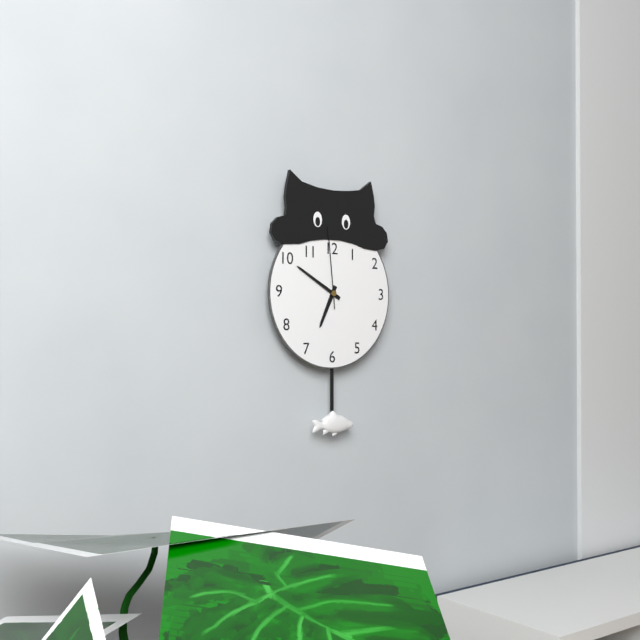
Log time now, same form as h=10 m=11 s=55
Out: h=6 m=50 s=59
